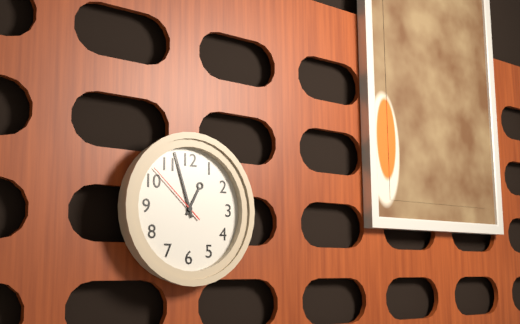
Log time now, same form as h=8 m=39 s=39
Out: h=12 m=57 s=52
